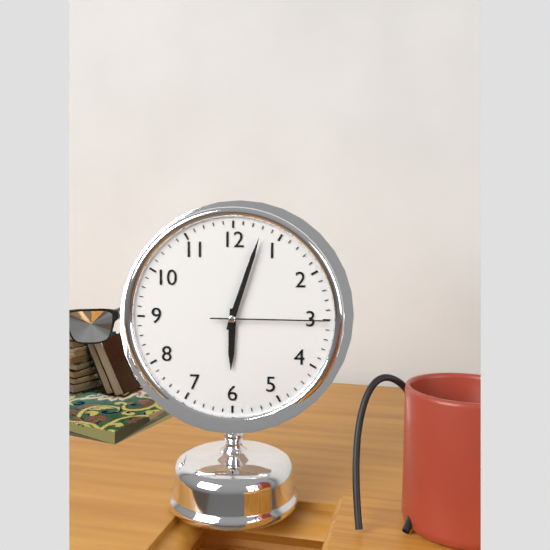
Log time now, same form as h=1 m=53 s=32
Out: h=6 m=3 s=15
